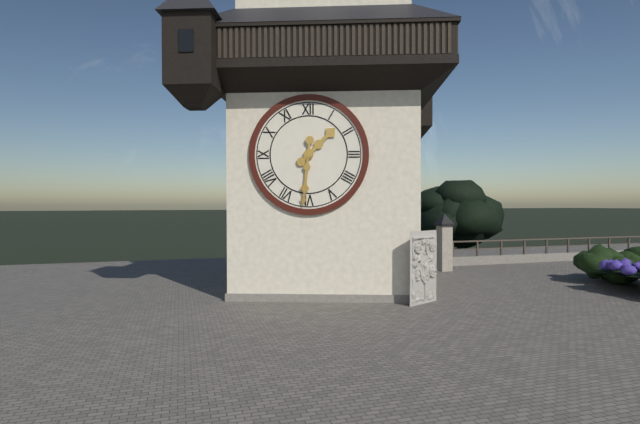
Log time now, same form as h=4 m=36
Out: h=1 m=31
